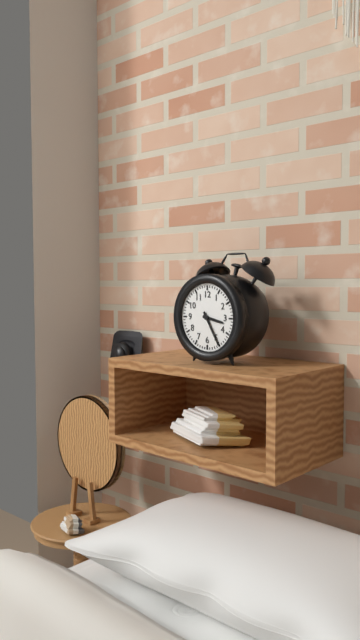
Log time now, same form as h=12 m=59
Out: h=3 m=25
